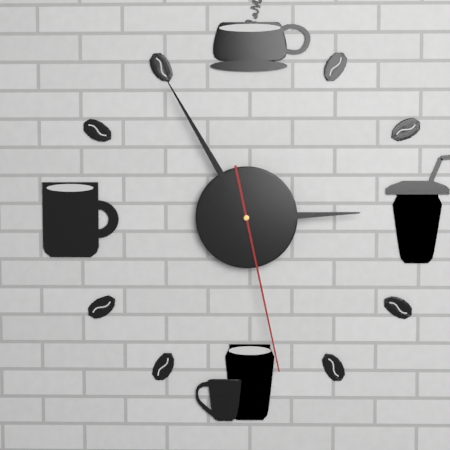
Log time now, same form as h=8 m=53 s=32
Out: h=2 m=55 s=28
